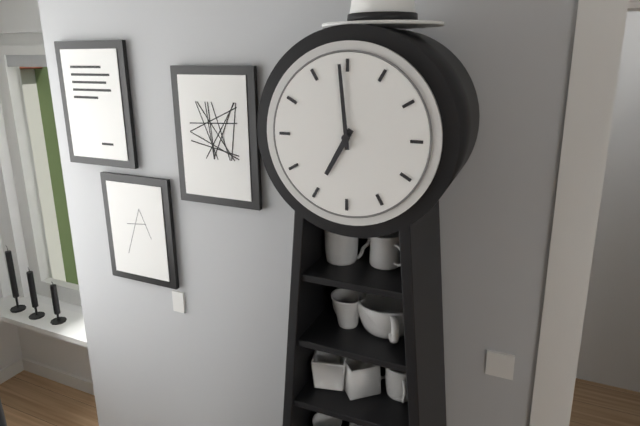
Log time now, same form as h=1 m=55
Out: h=6 m=59
